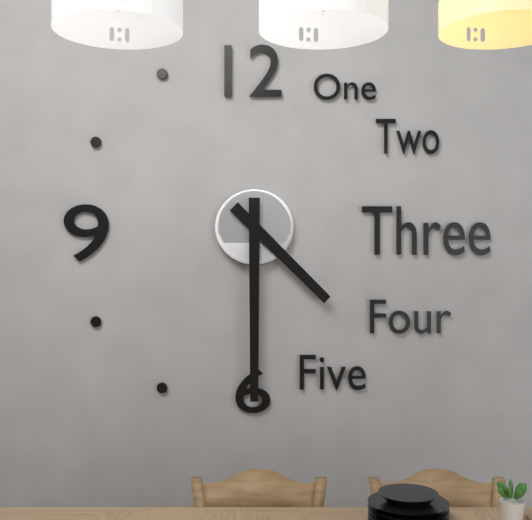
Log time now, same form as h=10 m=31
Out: h=4 m=30
